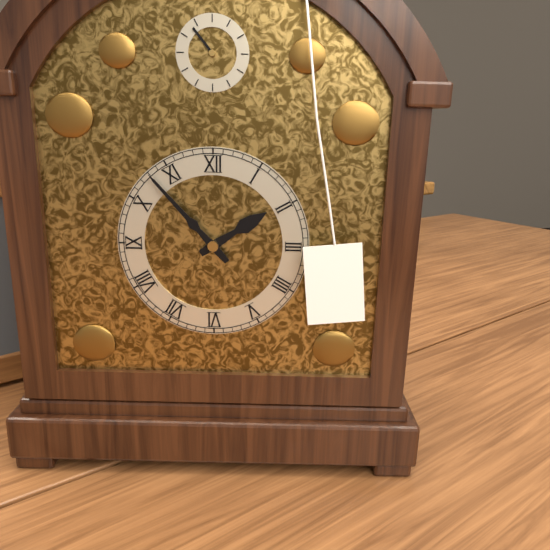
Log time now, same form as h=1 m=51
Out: h=1 m=53
